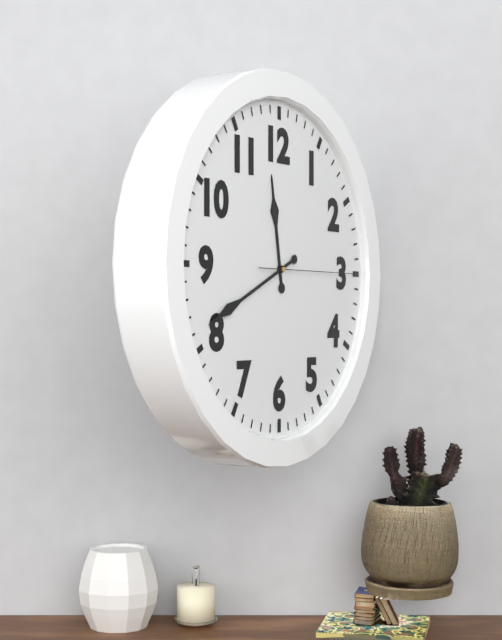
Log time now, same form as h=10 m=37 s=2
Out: h=11 m=41 s=15
